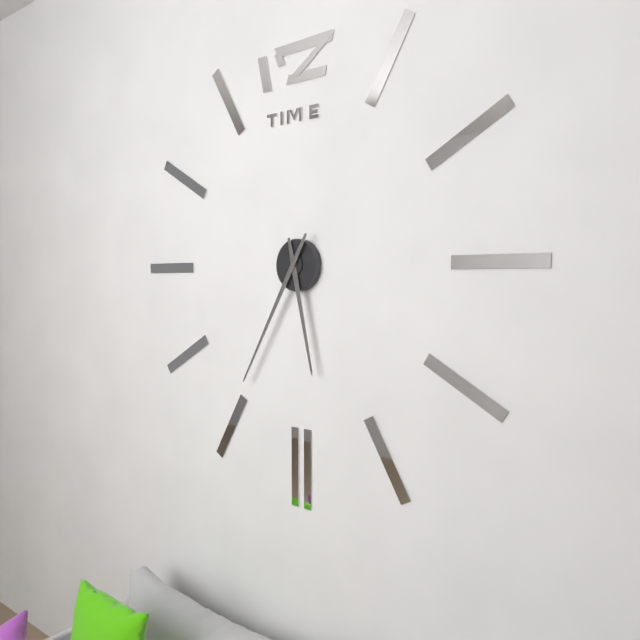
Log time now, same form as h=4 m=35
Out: h=5 m=35
